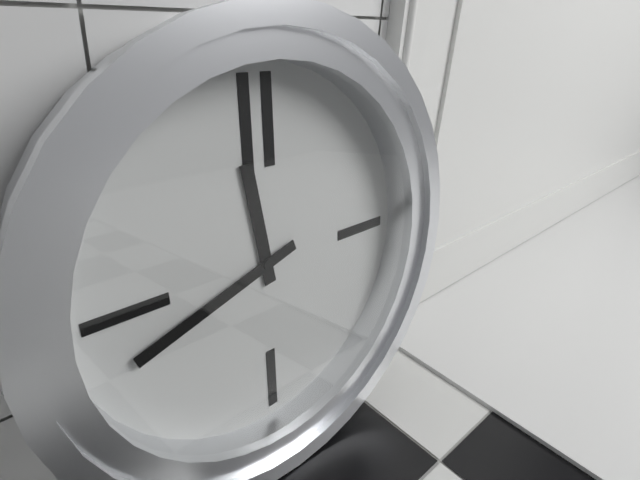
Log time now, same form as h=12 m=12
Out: h=11 m=42
